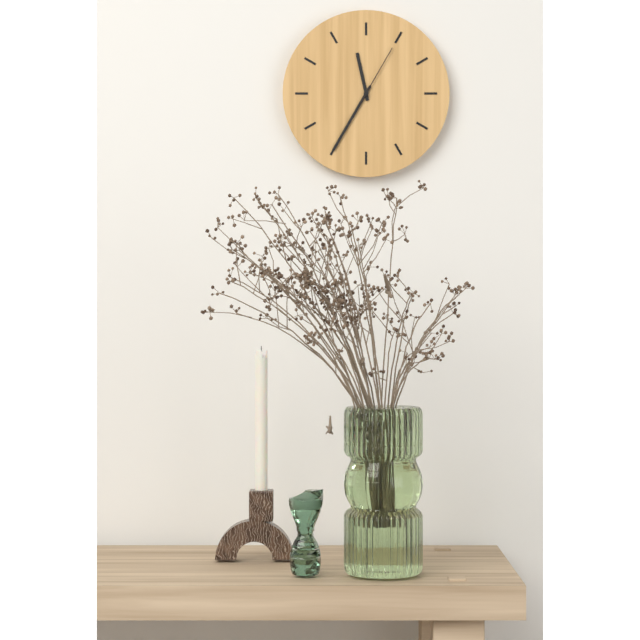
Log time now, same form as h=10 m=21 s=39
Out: h=11 m=35 s=5
